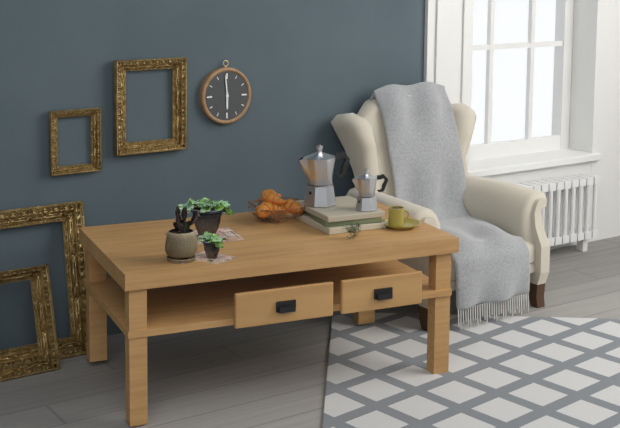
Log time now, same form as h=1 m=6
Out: h=5 m=59
